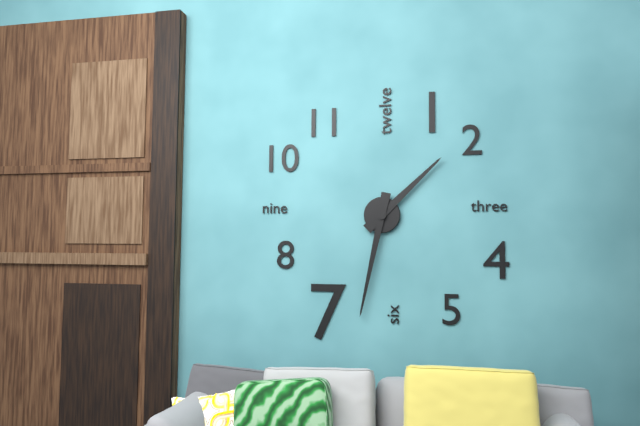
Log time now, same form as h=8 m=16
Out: h=1 m=32
